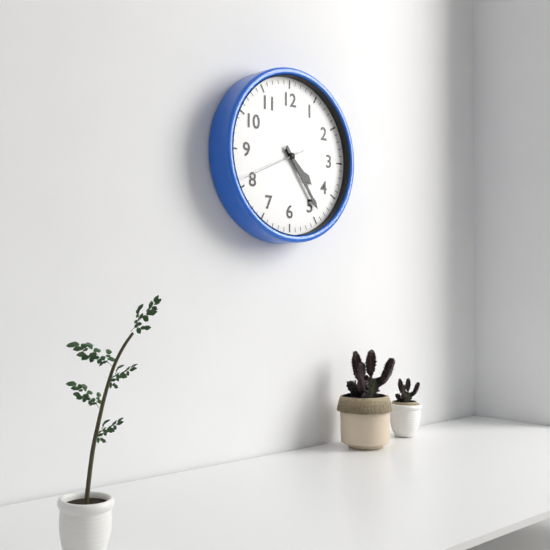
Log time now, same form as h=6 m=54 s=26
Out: h=4 m=24 s=41
